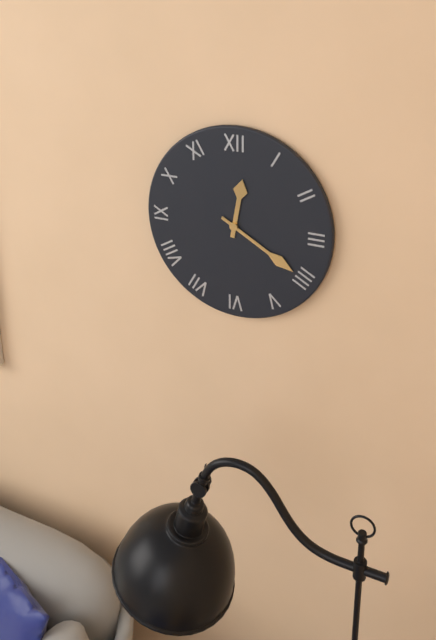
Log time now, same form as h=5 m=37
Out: h=12 m=20
